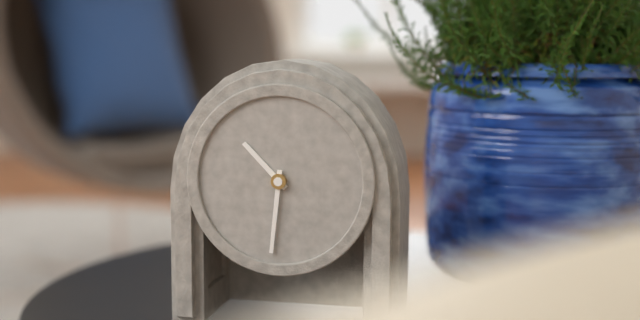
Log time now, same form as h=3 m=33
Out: h=10 m=31
